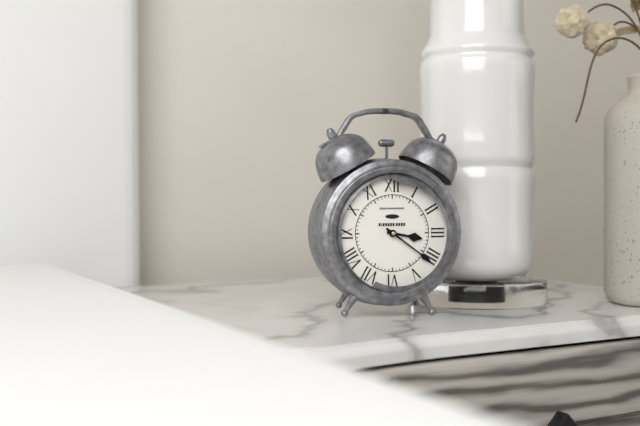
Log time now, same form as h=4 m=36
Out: h=3 m=21
